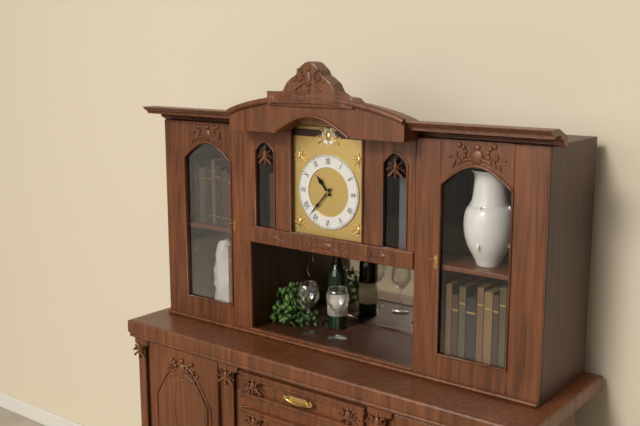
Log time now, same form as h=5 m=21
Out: h=10 m=37
